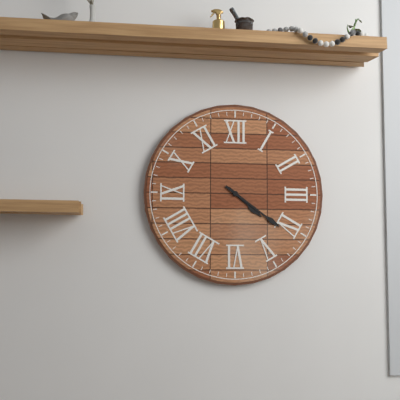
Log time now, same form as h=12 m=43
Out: h=4 m=21
